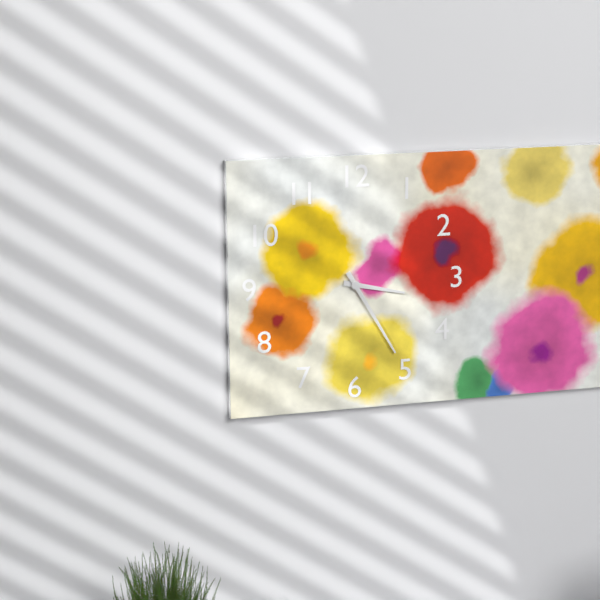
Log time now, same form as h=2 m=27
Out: h=3 m=25
